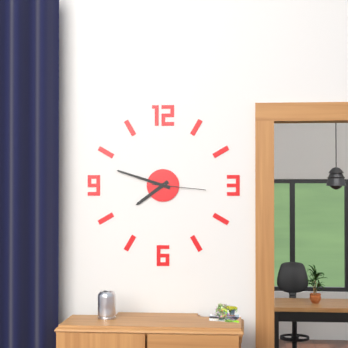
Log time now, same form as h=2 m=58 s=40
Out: h=7 m=48 s=16
